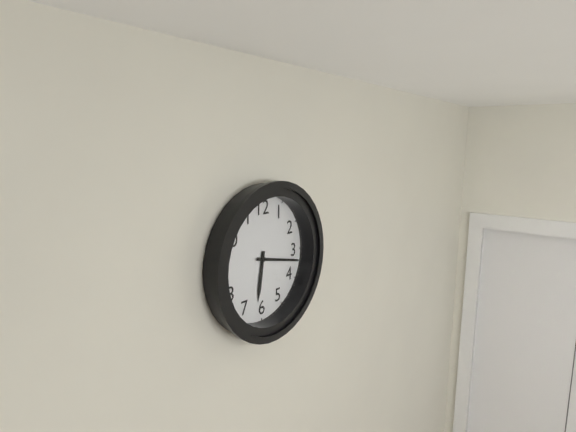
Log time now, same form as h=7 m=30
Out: h=6 m=17
